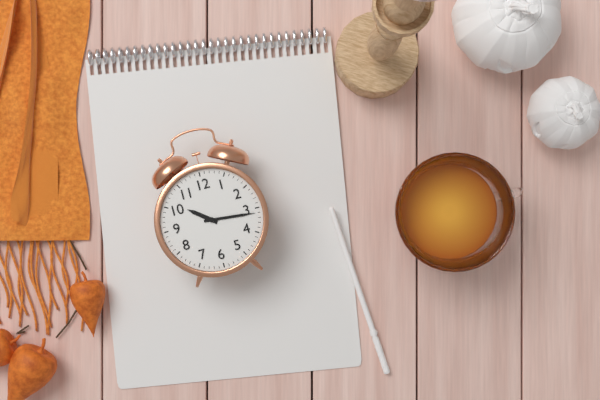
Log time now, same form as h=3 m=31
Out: h=10 m=16
